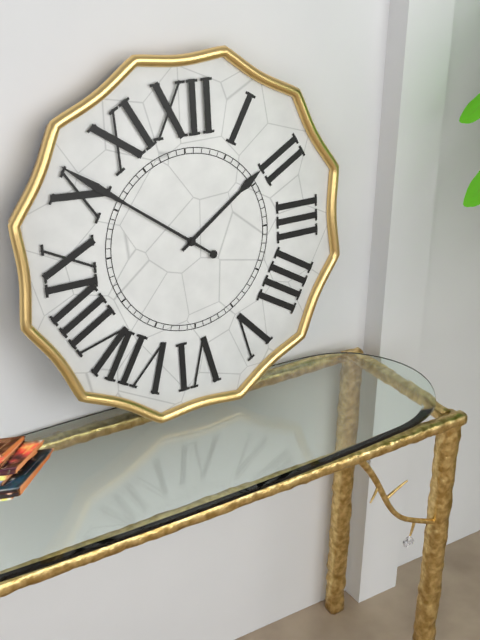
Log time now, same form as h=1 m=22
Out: h=1 m=51
